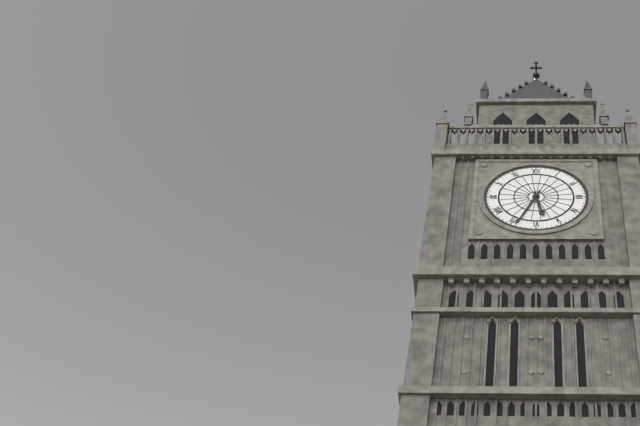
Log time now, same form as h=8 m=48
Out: h=5 m=34
